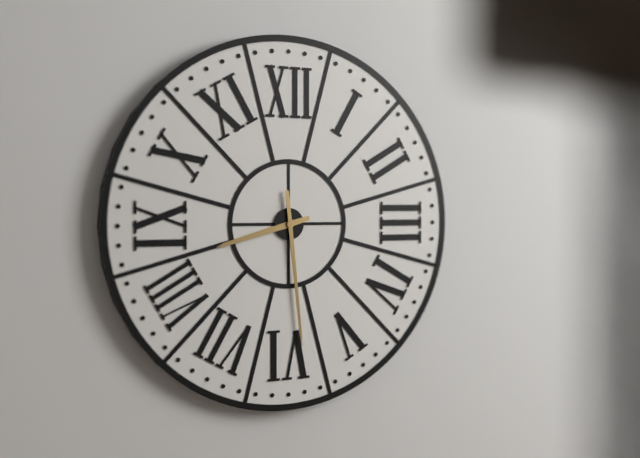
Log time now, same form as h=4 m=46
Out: h=8 m=29
